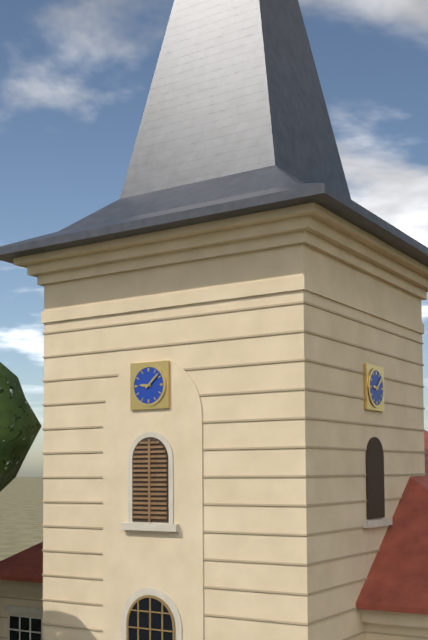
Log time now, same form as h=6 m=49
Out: h=9 m=8
